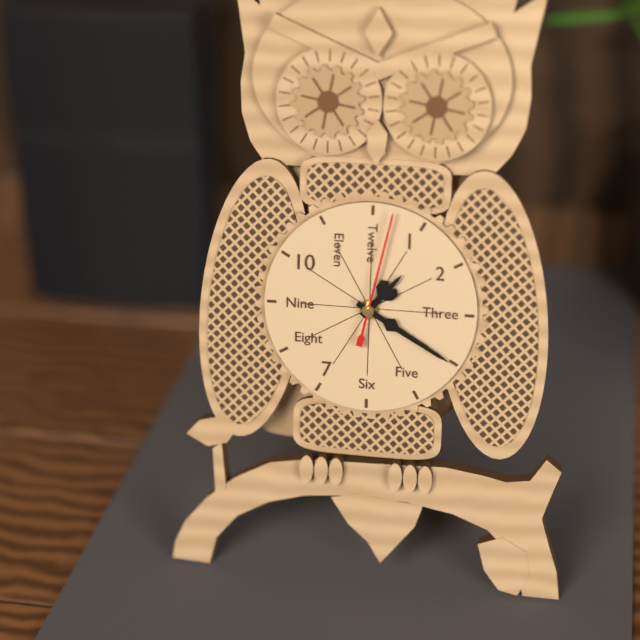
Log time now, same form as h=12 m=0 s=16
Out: h=1 m=20 s=2
